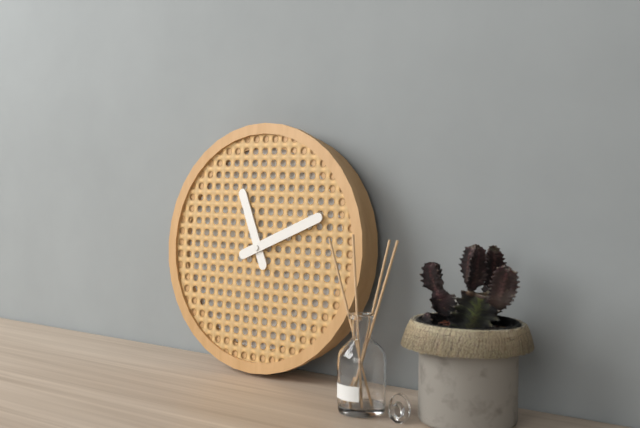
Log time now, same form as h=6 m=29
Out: h=11 m=11
